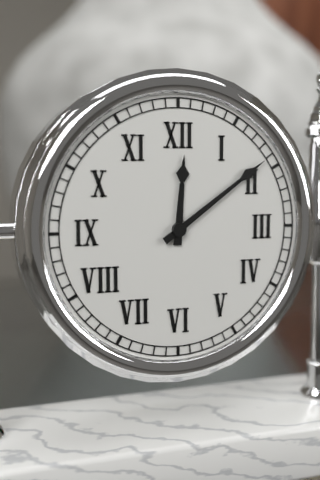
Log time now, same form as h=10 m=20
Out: h=12 m=9
